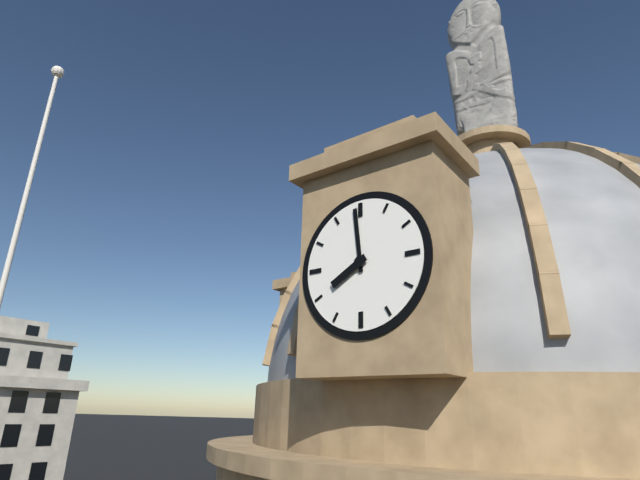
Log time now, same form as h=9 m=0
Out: h=7 m=59
